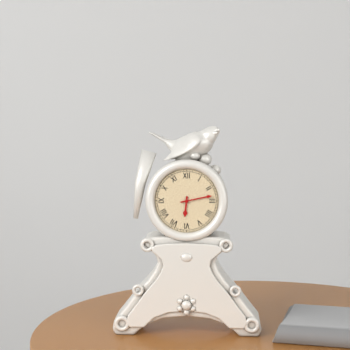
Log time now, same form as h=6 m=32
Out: h=6 m=13
